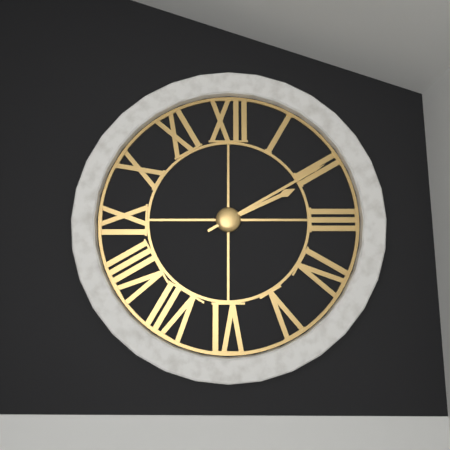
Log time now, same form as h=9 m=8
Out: h=2 m=10
